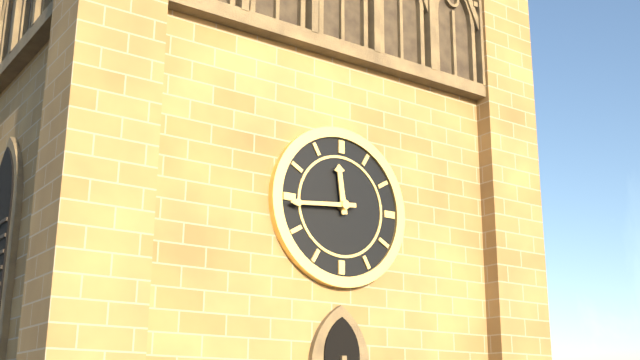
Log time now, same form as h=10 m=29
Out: h=11 m=44
